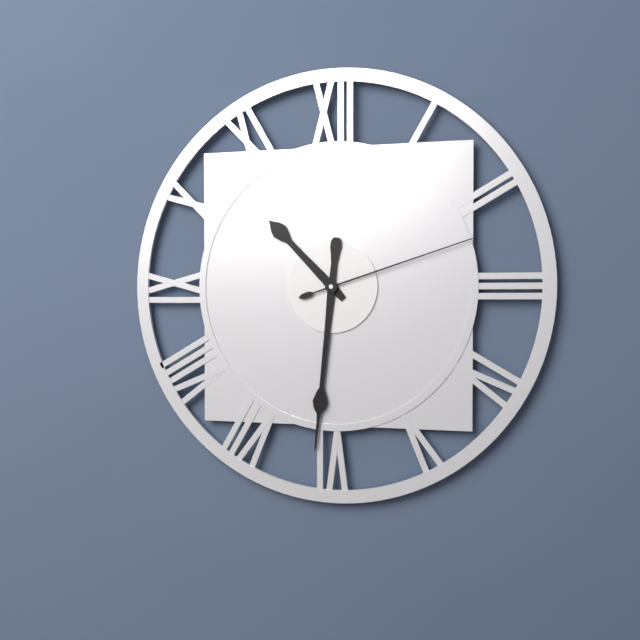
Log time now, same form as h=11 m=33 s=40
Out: h=10 m=31 s=12
